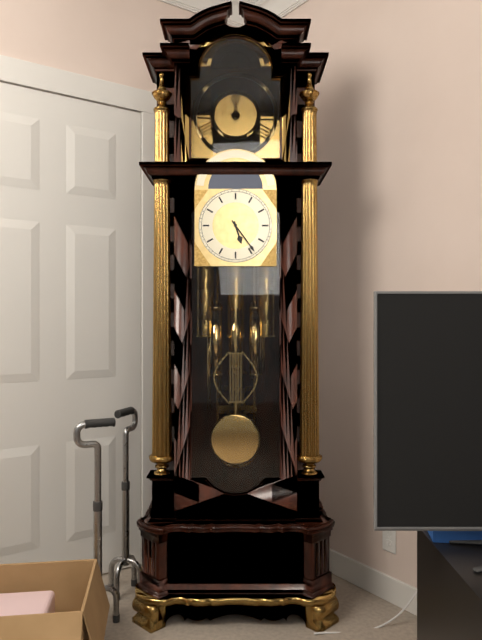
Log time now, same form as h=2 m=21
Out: h=5 m=24
